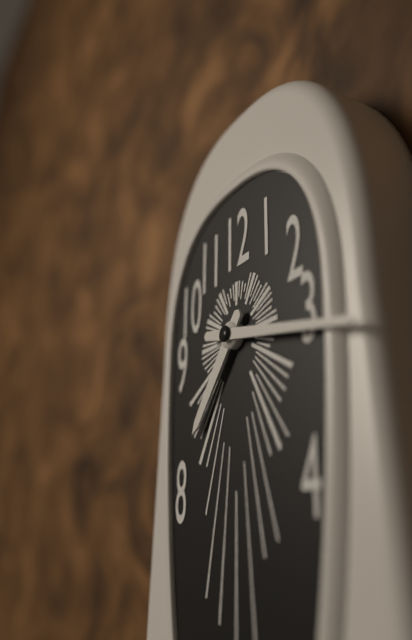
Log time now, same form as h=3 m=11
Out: h=7 m=17
